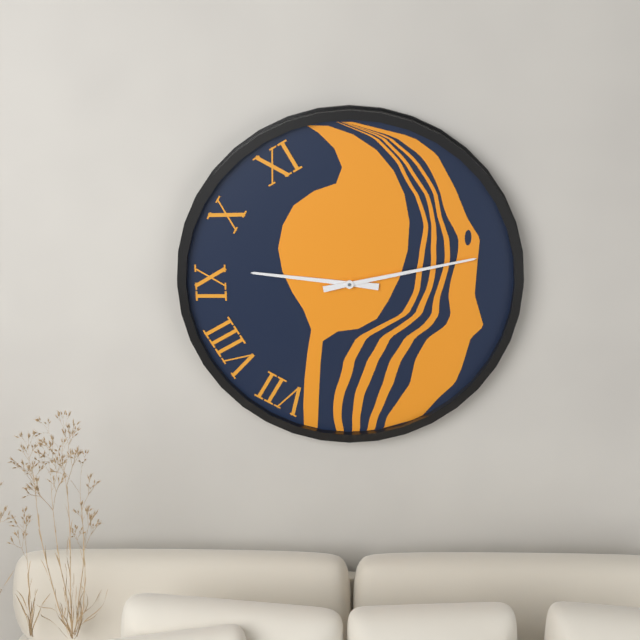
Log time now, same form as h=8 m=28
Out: h=9 m=13
